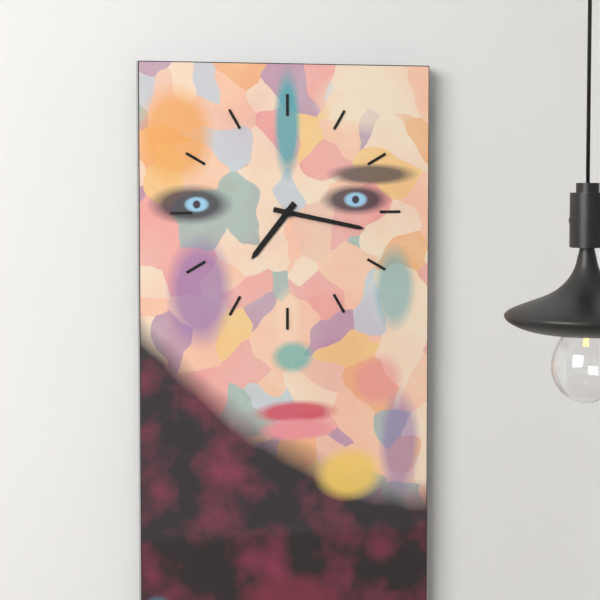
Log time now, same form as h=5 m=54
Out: h=7 m=17
